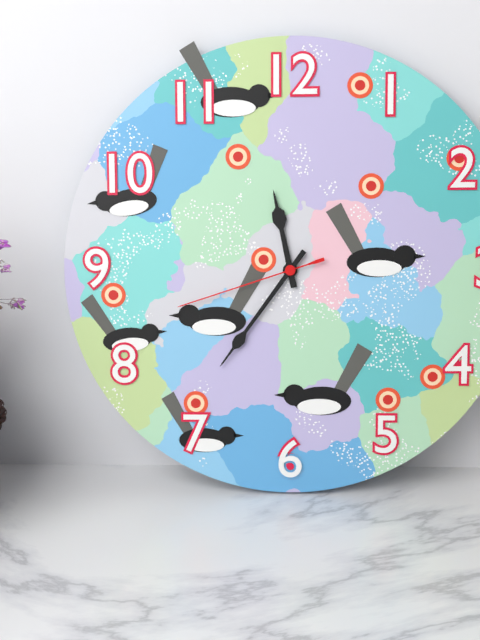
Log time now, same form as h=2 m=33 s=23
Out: h=11 m=36 s=42
